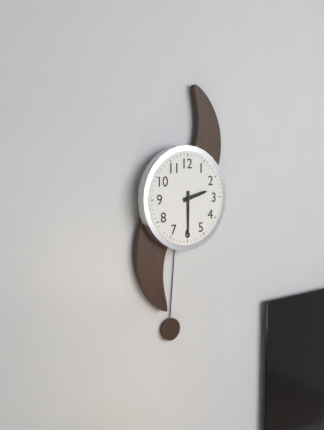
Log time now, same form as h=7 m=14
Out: h=2 m=30
